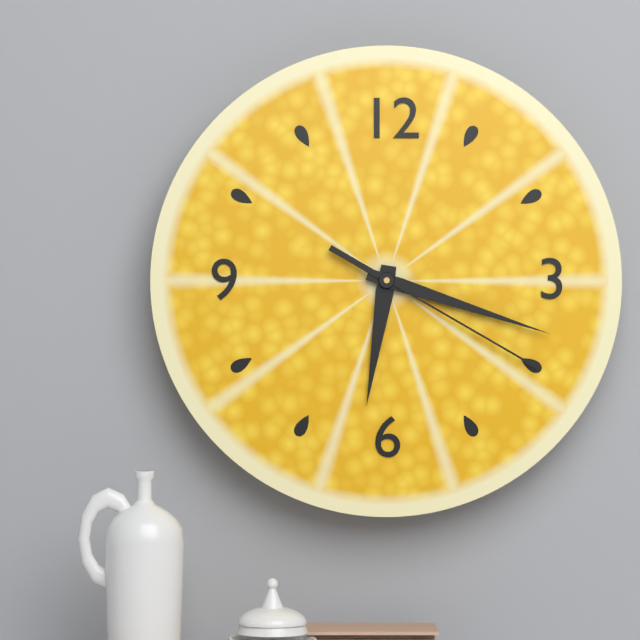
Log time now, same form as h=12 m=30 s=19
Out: h=6 m=18 s=20
